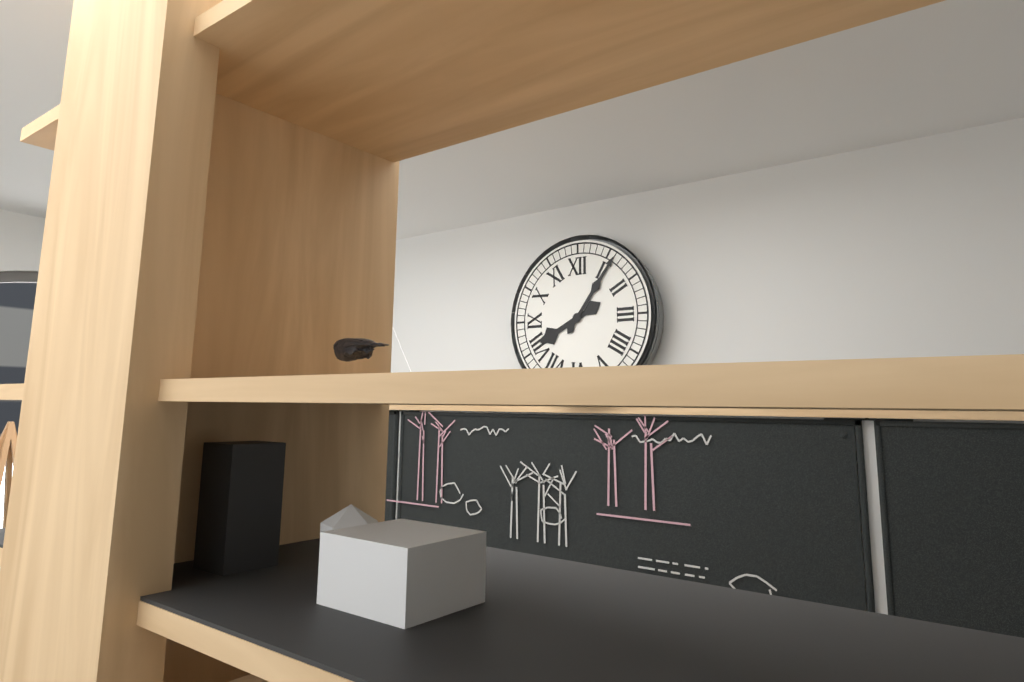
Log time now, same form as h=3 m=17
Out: h=8 m=6
